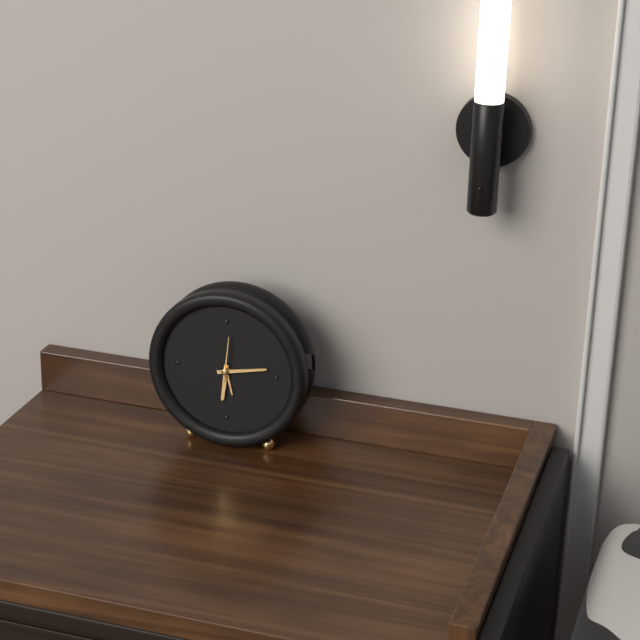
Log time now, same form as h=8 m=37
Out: h=6 m=13
